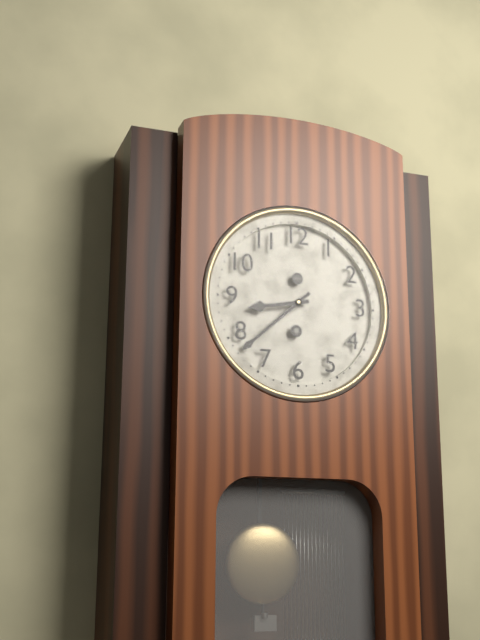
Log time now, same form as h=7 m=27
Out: h=8 m=38
